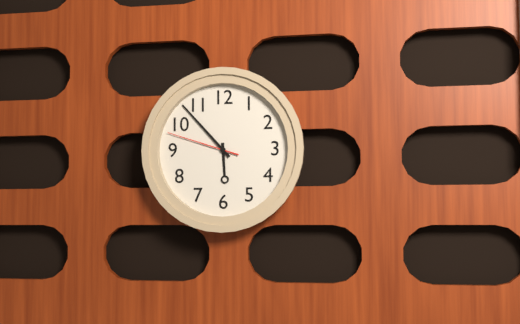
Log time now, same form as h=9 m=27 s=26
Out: h=5 m=53 s=48
